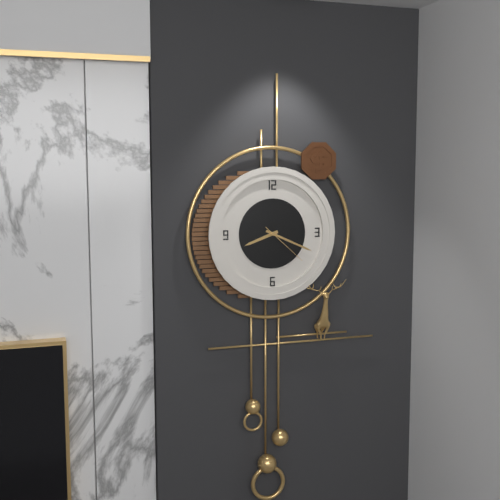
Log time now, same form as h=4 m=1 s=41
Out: h=8 m=19 s=22
